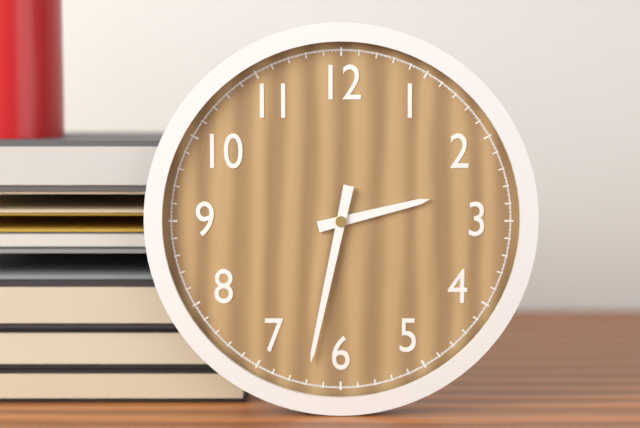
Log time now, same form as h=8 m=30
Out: h=2 m=32
